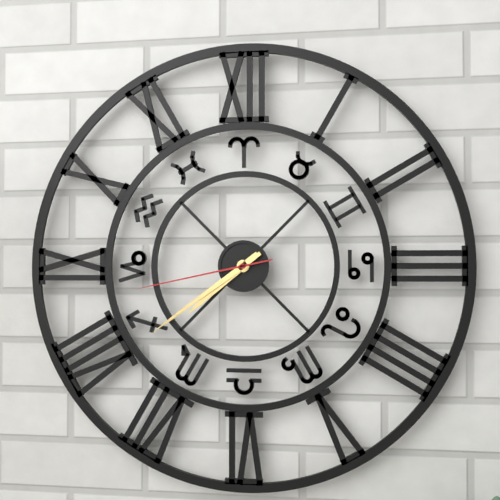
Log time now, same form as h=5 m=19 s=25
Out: h=7 m=39 s=43
